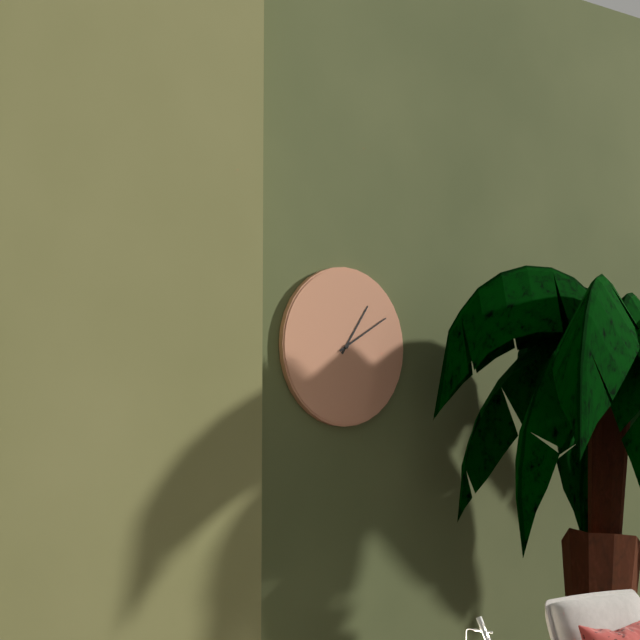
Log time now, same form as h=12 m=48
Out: h=1 m=10
